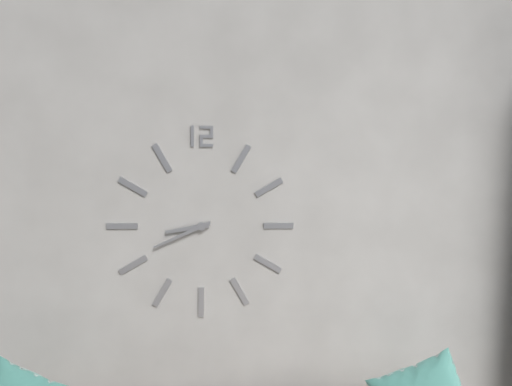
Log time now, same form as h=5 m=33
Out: h=8 m=41
